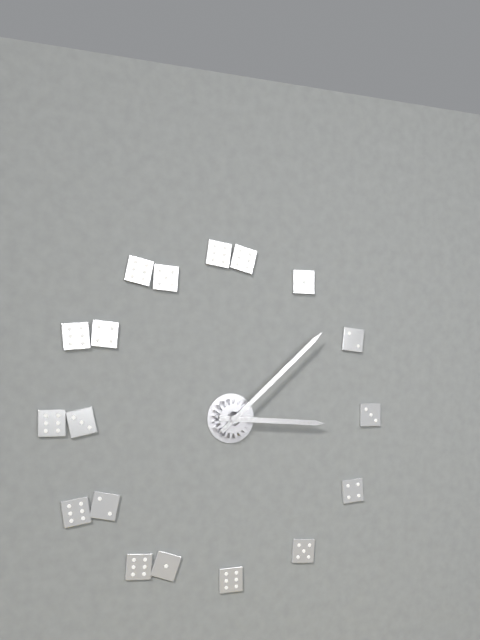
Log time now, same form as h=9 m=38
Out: h=3 m=8
